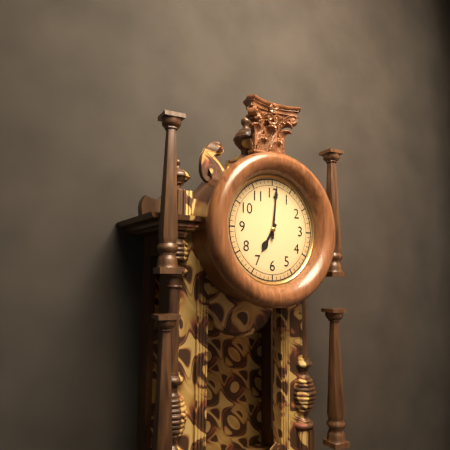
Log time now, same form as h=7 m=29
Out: h=7 m=1
